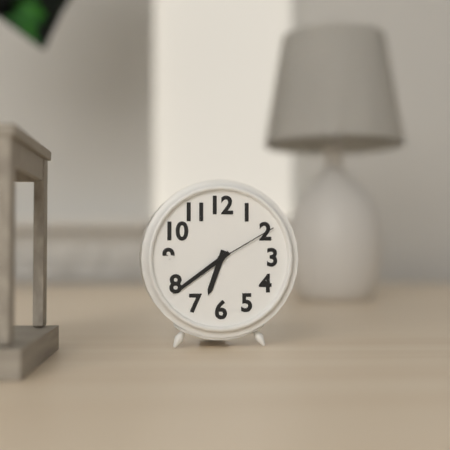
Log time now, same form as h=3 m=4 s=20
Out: h=6 m=39 s=10
